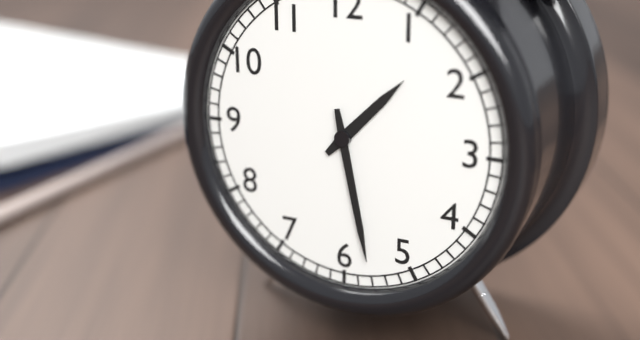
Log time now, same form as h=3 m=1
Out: h=1 m=28
